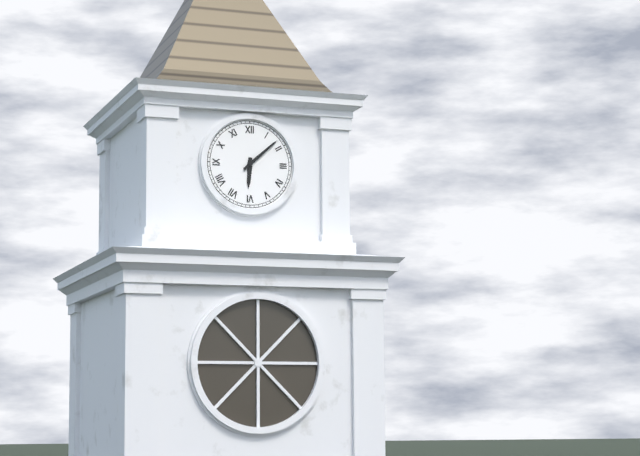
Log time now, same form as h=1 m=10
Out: h=6 m=8
